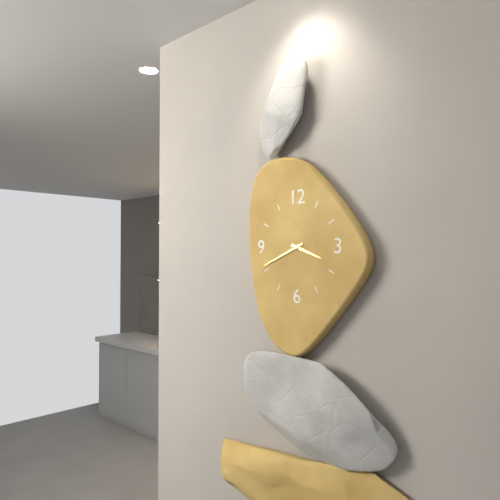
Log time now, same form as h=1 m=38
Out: h=3 m=41
